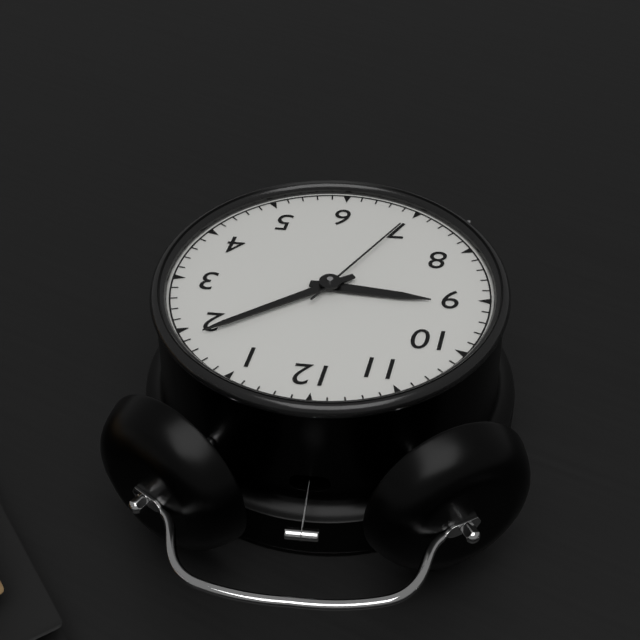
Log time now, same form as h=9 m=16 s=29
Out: h=9 m=9 s=35
